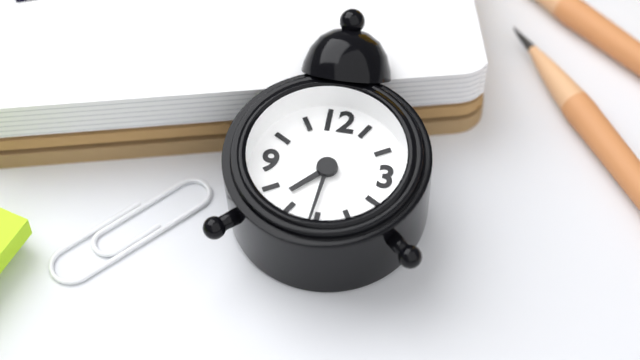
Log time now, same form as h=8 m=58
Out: h=7 m=31
